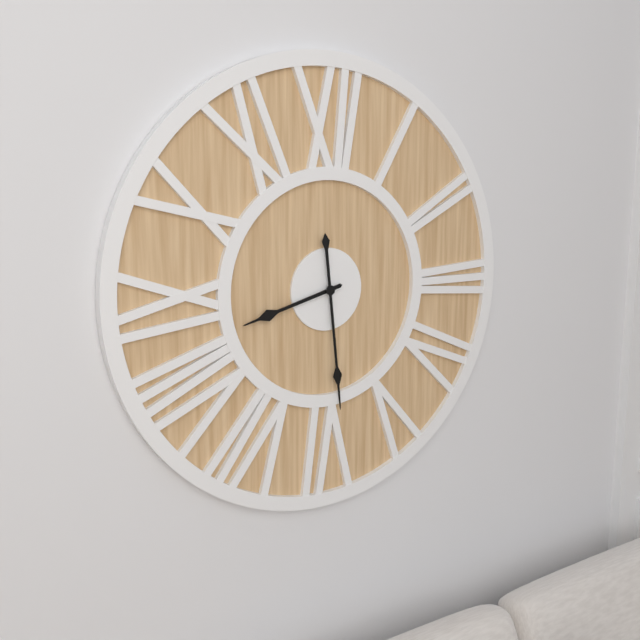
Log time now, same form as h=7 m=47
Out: h=8 m=29
